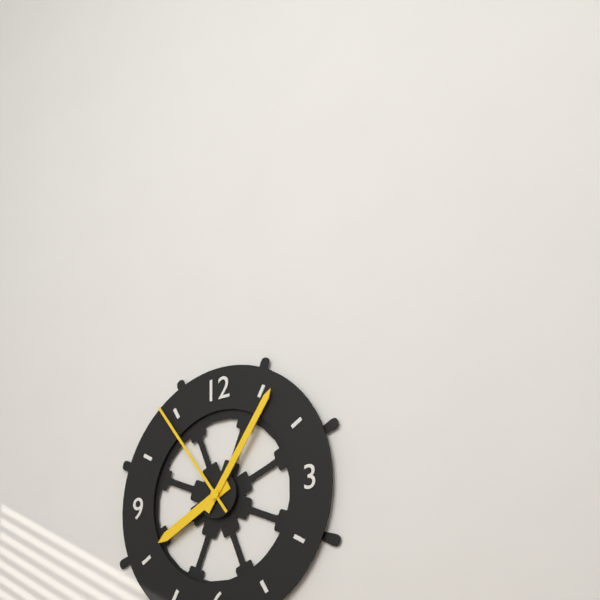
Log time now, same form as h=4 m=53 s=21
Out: h=8 m=6 s=54
